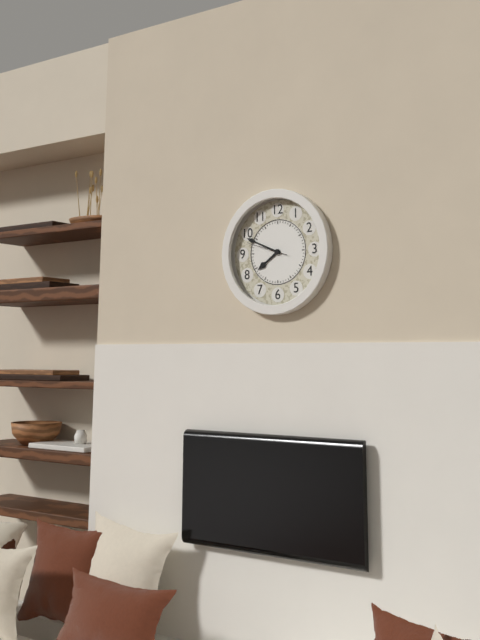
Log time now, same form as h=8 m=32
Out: h=7 m=49
